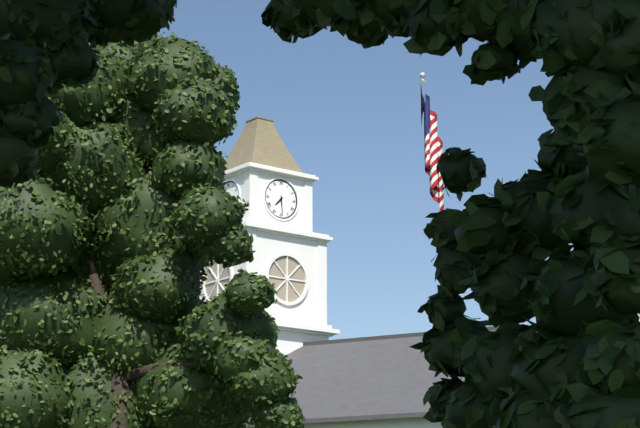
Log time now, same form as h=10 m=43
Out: h=7 m=29
